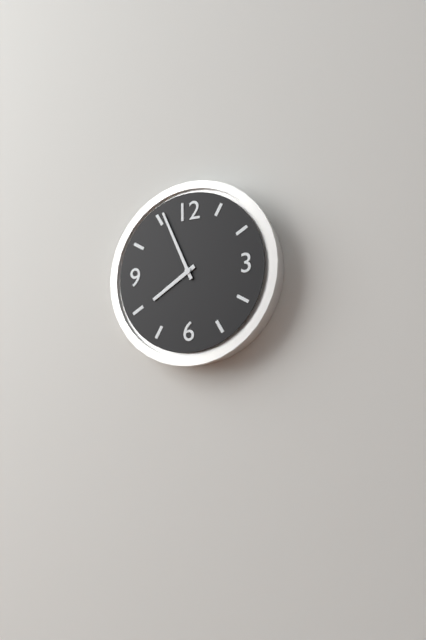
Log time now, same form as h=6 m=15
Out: h=7 m=56
